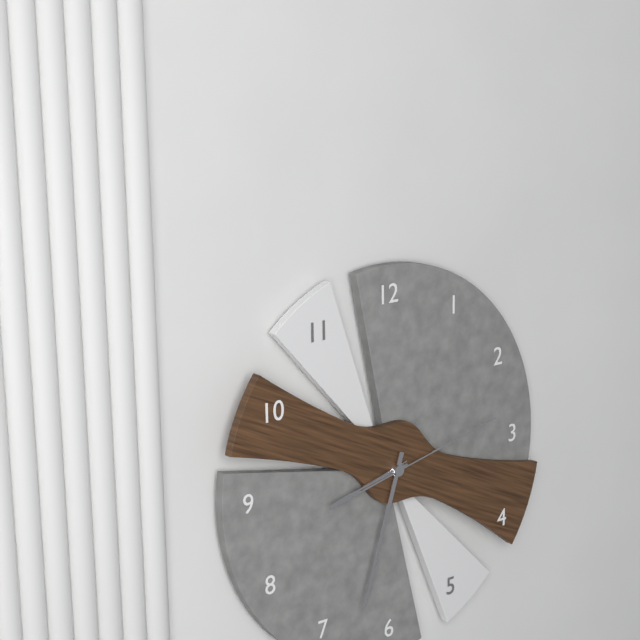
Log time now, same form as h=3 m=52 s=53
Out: h=8 m=33 s=13
